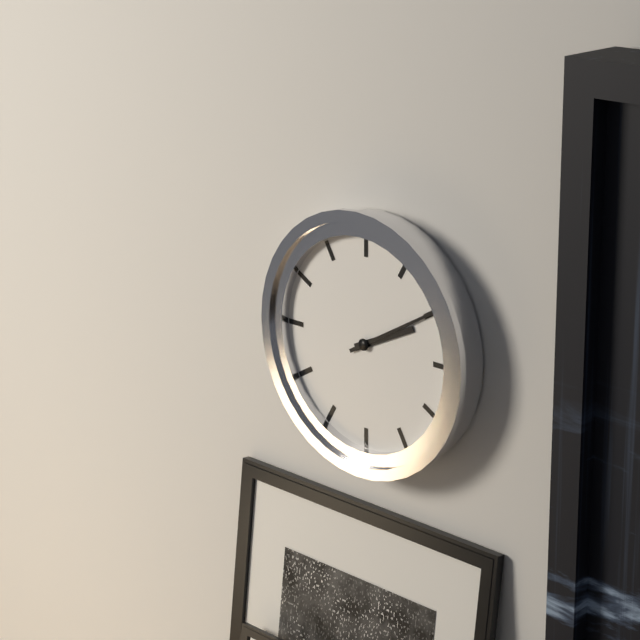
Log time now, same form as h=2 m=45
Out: h=2 m=10
